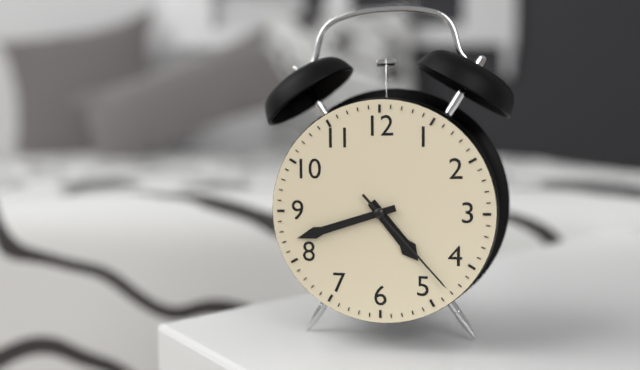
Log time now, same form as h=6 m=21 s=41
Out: h=4 m=42 s=23
